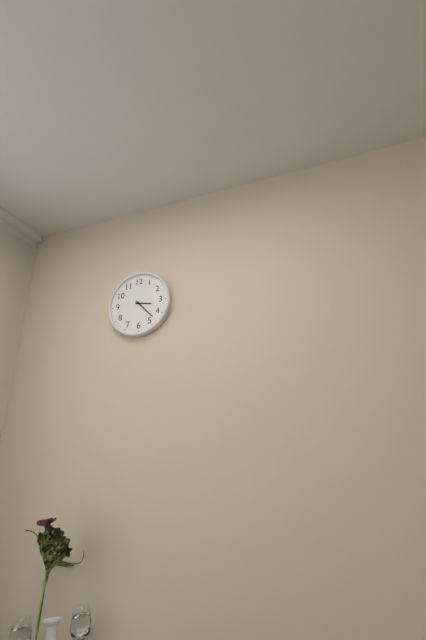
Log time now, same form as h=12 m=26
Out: h=3 m=23
